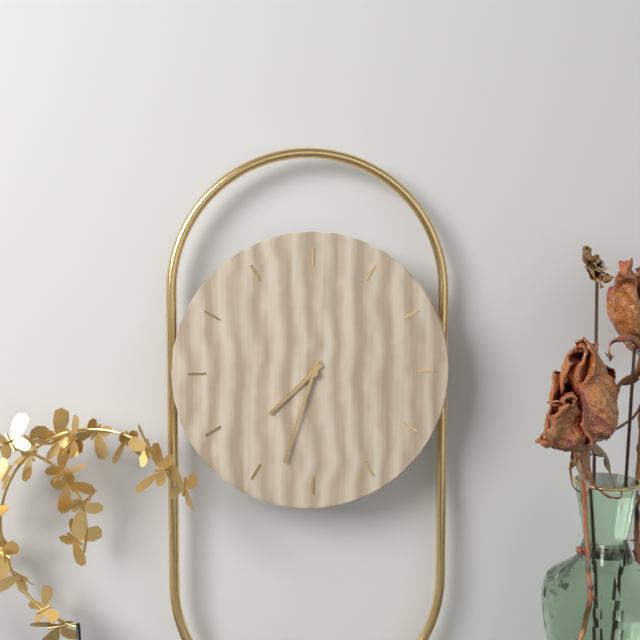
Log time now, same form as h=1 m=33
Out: h=7 m=33
